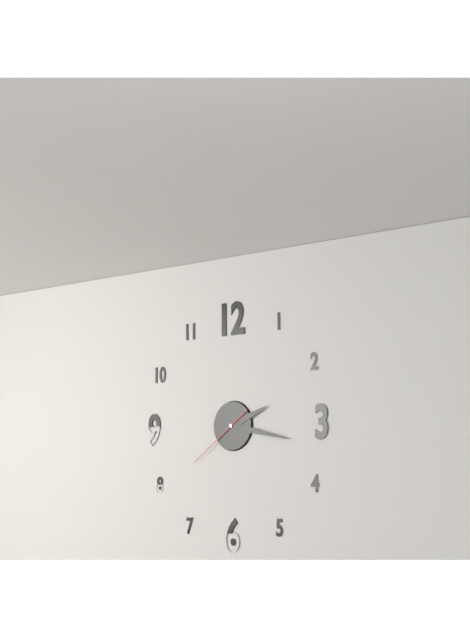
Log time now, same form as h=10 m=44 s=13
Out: h=2 m=17 s=39
